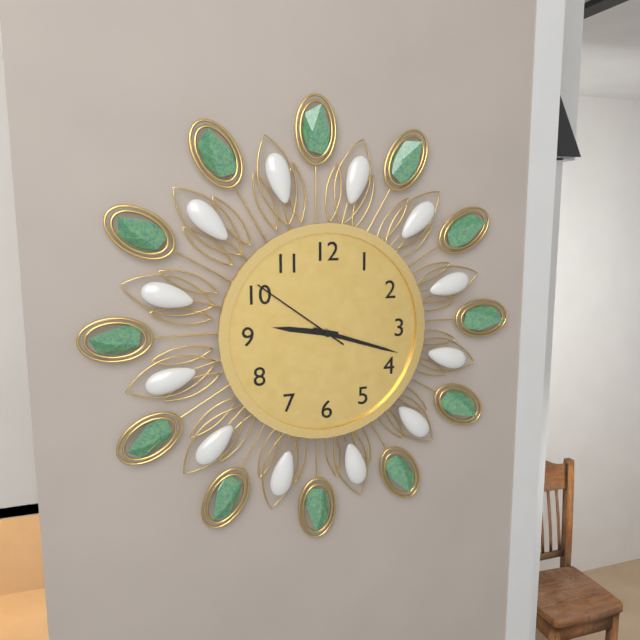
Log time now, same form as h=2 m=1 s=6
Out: h=9 m=18 s=51
